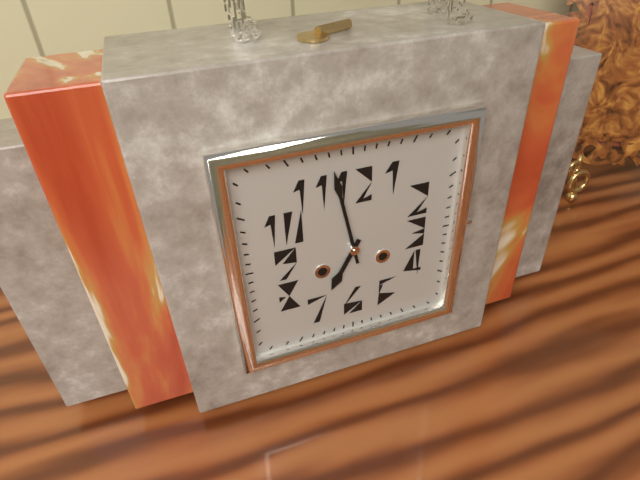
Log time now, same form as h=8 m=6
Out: h=6 m=58
